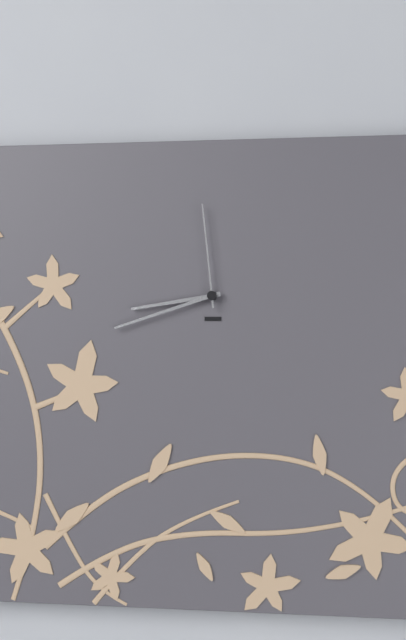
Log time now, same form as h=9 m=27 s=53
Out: h=8 m=42 s=59
